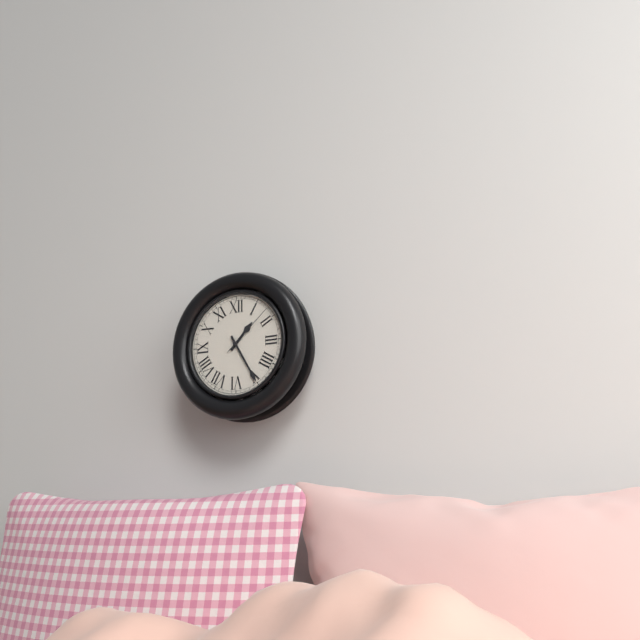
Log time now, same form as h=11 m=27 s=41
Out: h=1 m=25 s=8
